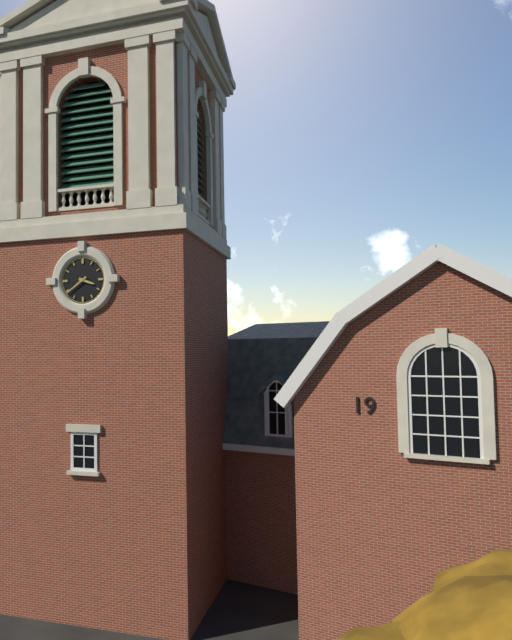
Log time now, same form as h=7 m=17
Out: h=3 m=39
